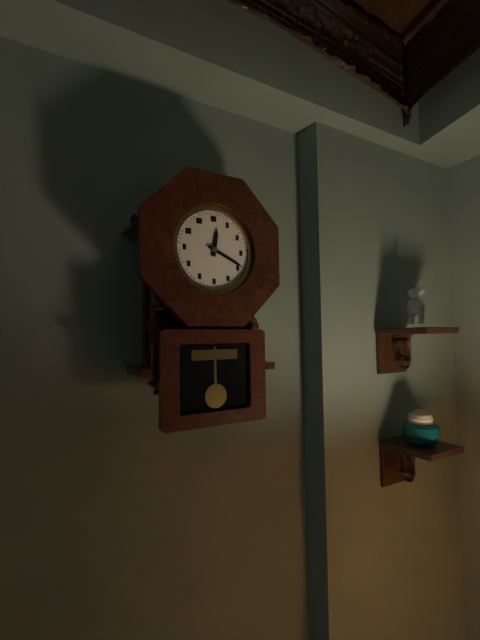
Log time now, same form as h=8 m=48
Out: h=12 m=19
